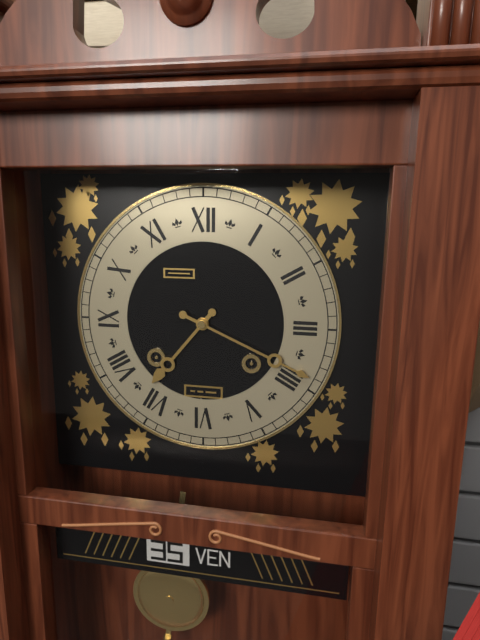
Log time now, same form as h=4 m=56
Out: h=7 m=19
